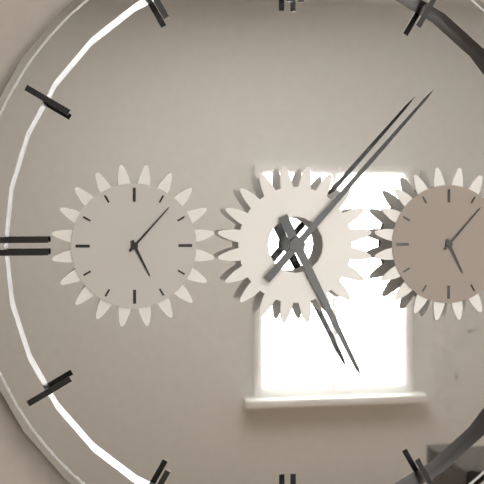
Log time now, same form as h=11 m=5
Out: h=5 m=7
